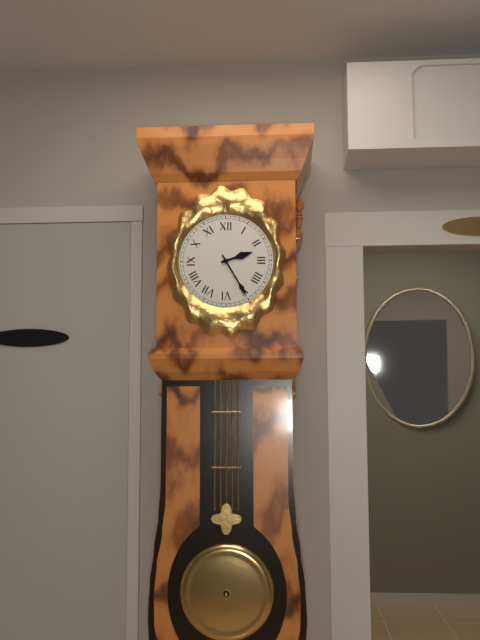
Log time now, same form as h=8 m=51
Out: h=2 m=25
